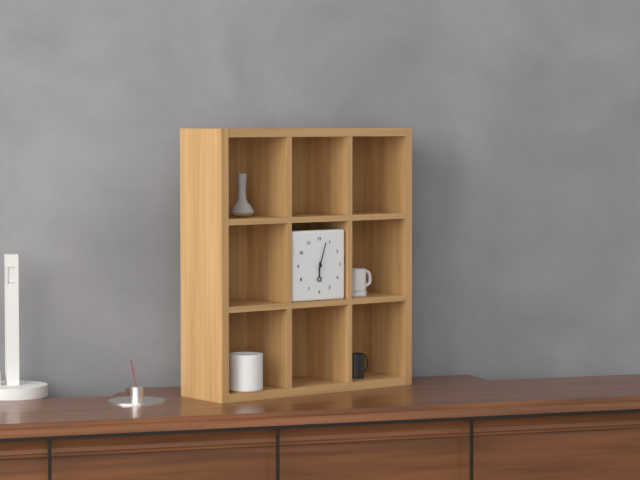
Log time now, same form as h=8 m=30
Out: h=6 m=3
